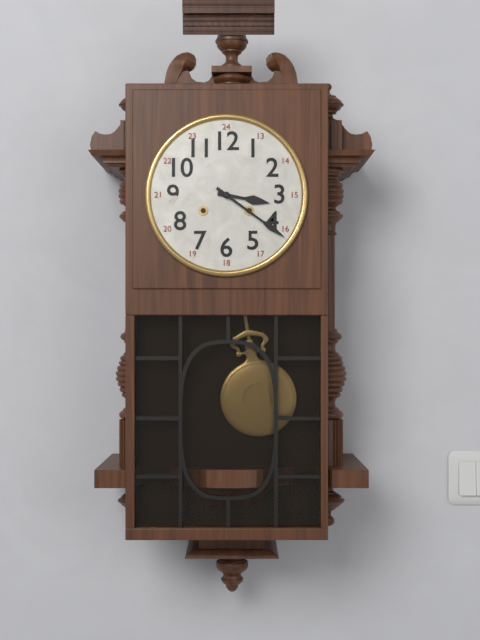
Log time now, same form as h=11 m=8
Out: h=3 m=21
